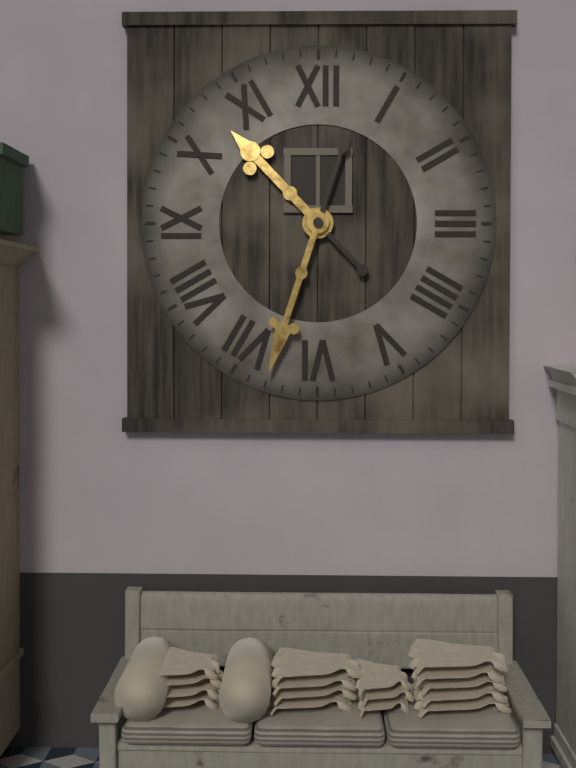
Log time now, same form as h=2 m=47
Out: h=10 m=33
